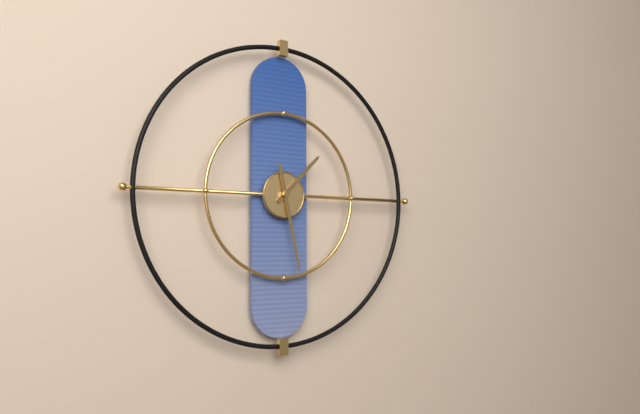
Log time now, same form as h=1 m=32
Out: h=1 m=28
